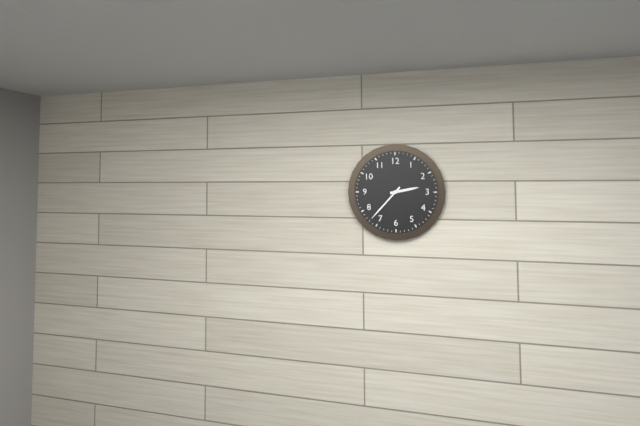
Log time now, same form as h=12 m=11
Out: h=2 m=37
